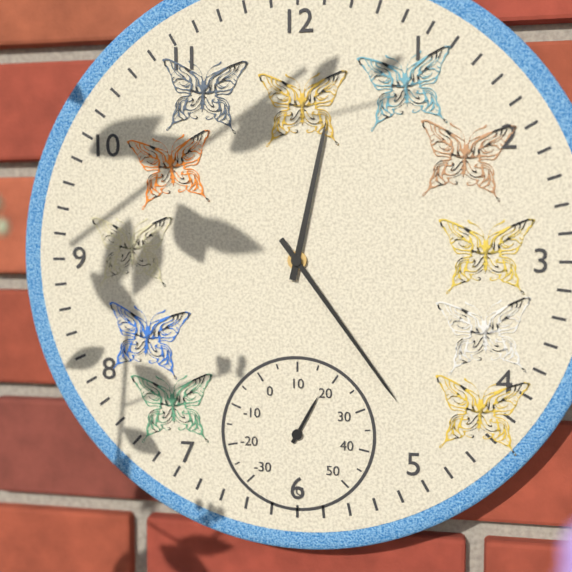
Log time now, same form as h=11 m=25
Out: h=12 m=24
